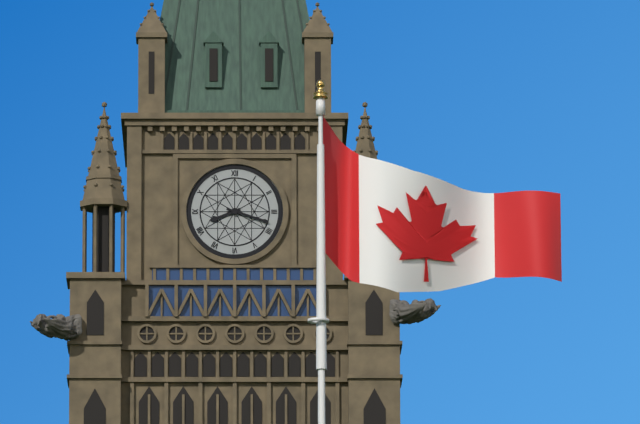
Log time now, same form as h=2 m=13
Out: h=8 m=18
